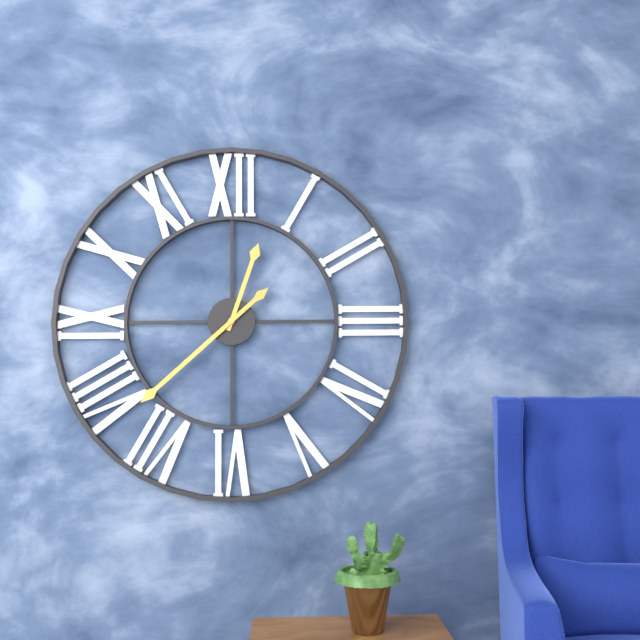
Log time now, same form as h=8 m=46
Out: h=12 m=38
